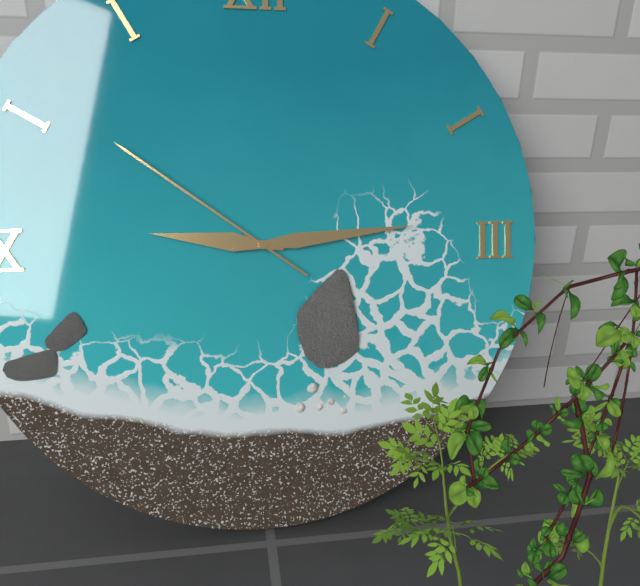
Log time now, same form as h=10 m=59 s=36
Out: h=9 m=14 s=51
